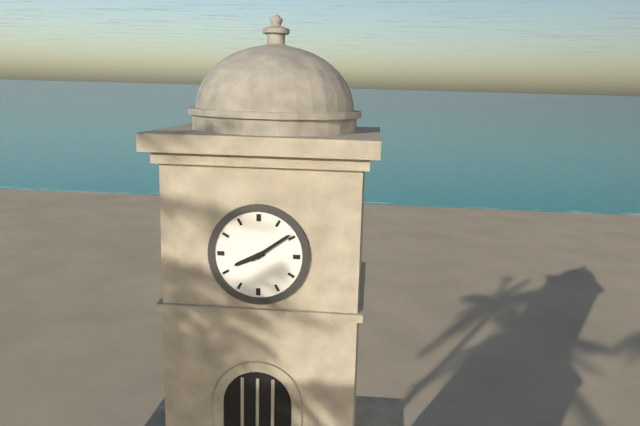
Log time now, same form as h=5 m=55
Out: h=8 m=9
